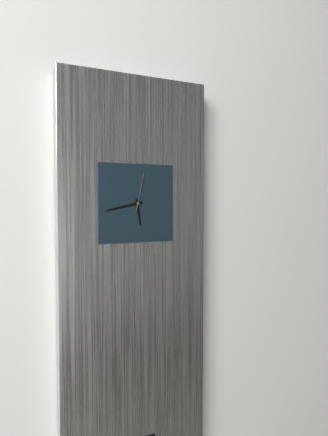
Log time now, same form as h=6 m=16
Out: h=5 m=43
